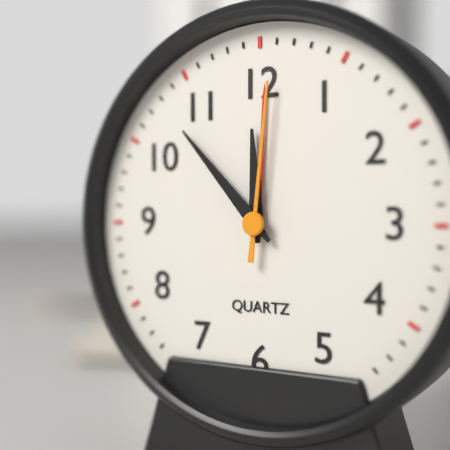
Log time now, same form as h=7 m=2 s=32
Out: h=11 m=53 s=1
